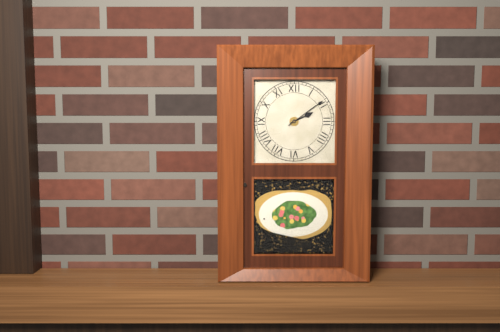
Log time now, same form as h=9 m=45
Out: h=2 m=9
